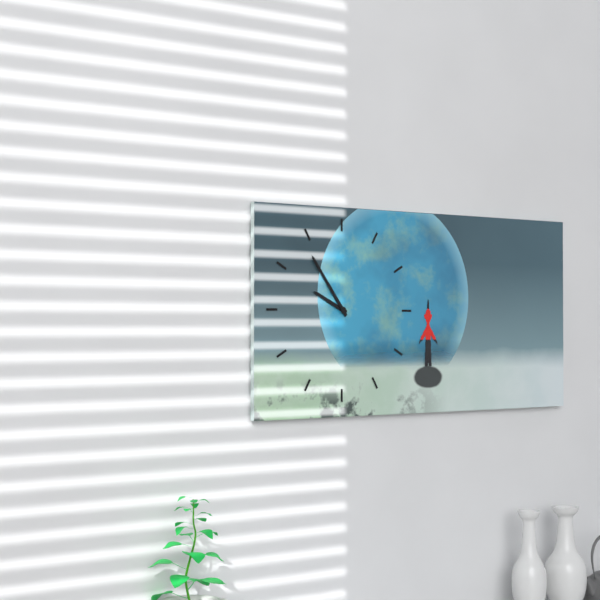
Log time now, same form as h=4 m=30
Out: h=9 m=54
